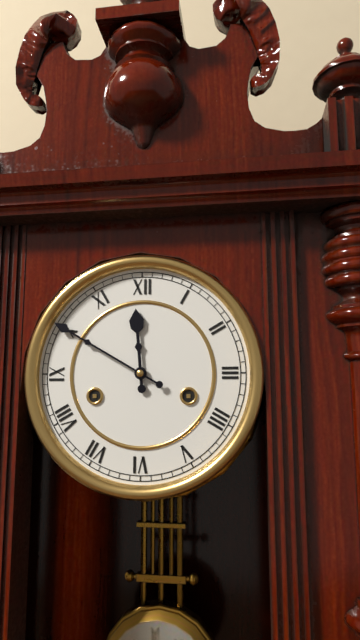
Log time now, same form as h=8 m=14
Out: h=11 m=50
